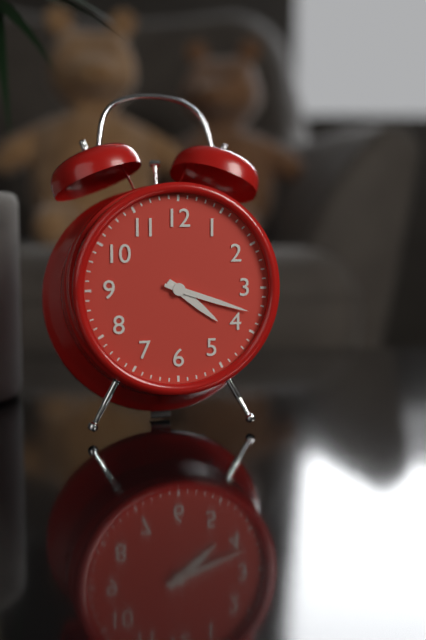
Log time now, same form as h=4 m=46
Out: h=4 m=18
